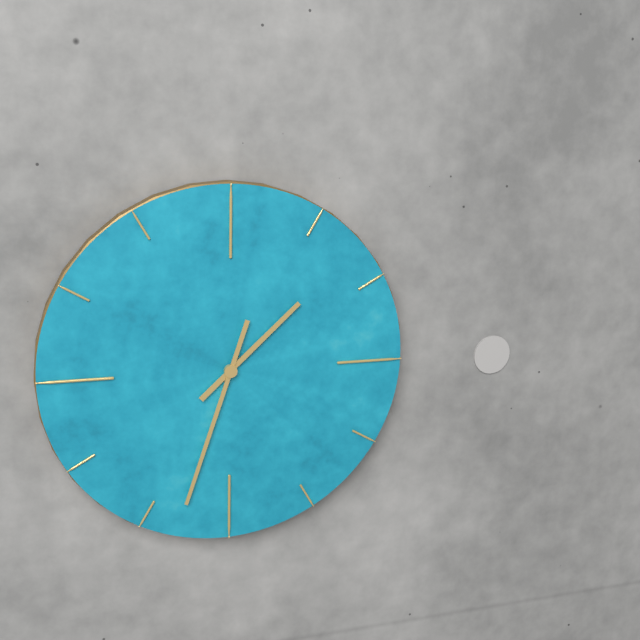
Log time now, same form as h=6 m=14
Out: h=1 m=33
